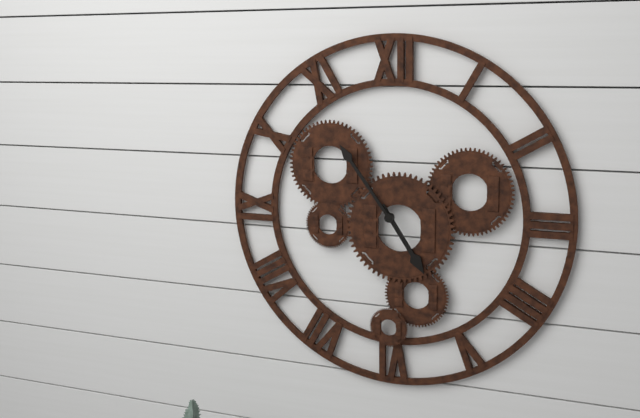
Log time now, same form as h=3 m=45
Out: h=4 m=54
